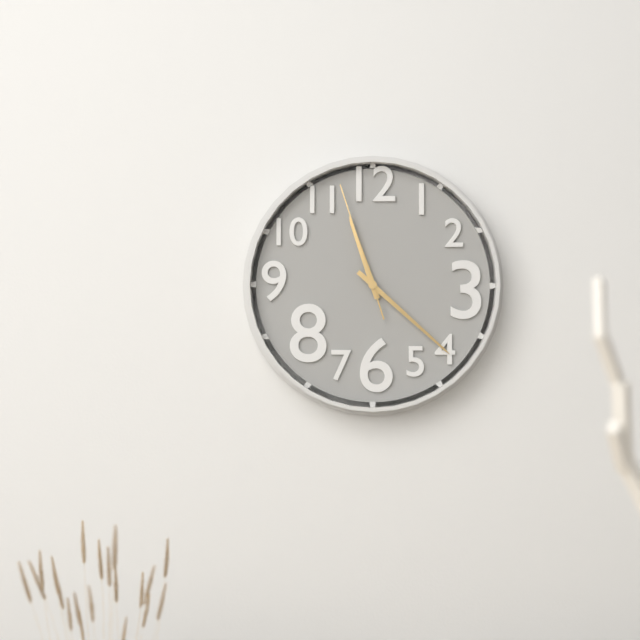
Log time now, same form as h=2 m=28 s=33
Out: h=11 m=22 s=57
